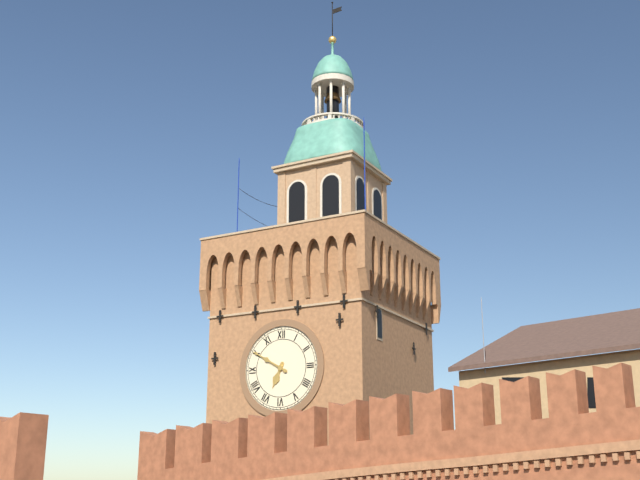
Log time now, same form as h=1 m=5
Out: h=6 m=50
